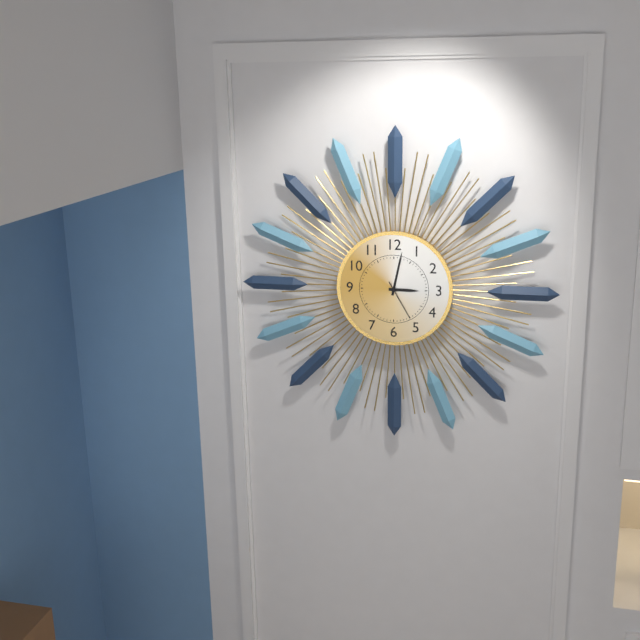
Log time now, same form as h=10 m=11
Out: h=3 m=2
